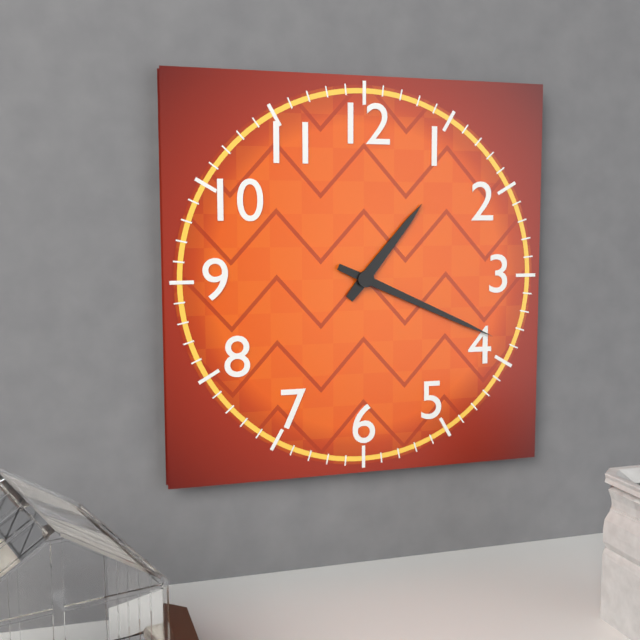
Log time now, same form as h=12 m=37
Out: h=1 m=19
